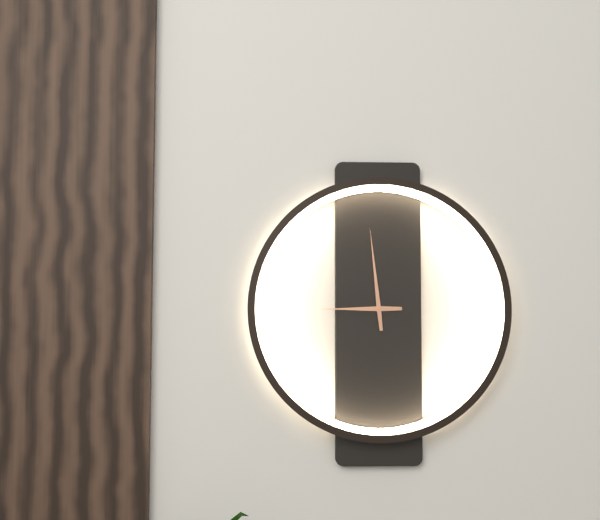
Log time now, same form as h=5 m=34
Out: h=8 m=59
